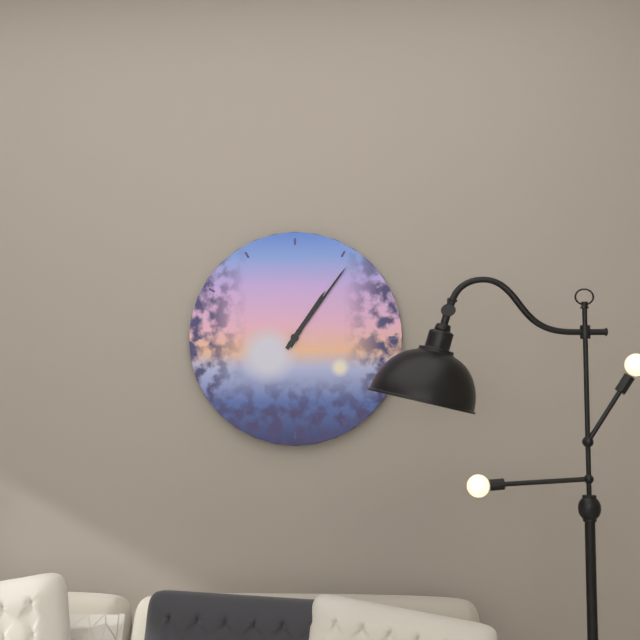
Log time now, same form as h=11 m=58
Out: h=1 m=6
